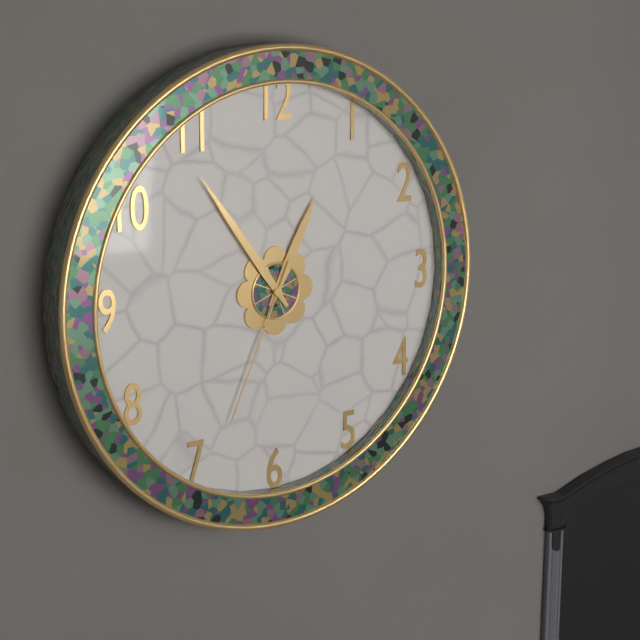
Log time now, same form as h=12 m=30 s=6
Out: h=12 m=54 s=34
